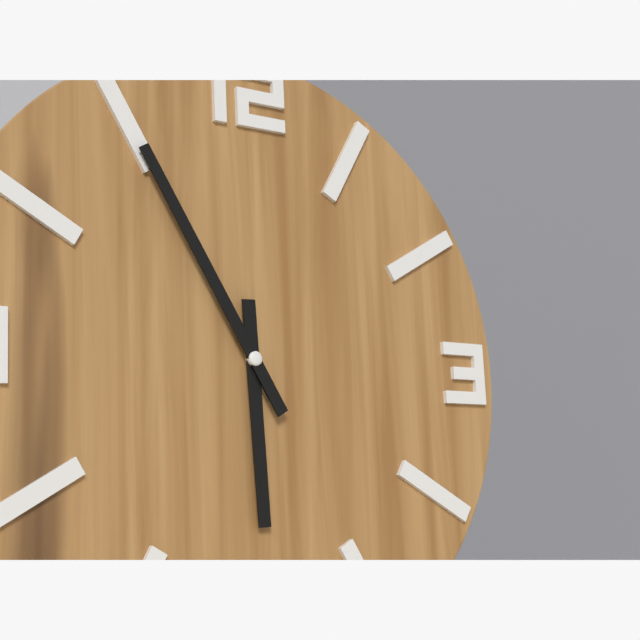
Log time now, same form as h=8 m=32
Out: h=5 m=55
